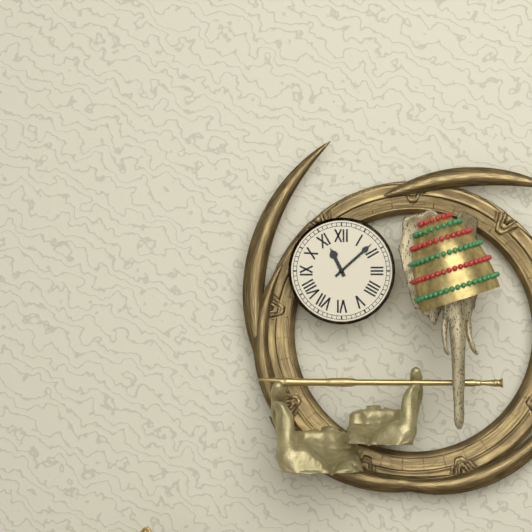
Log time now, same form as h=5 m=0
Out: h=11 m=8
